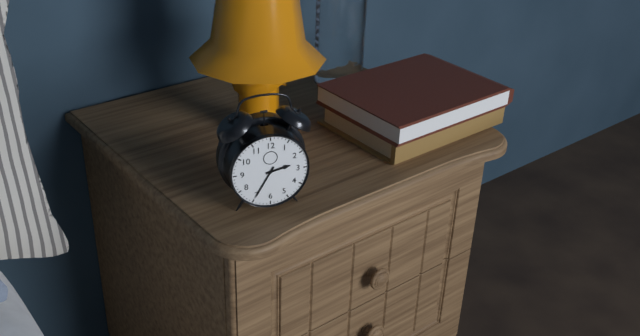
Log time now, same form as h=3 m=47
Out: h=2 m=35
